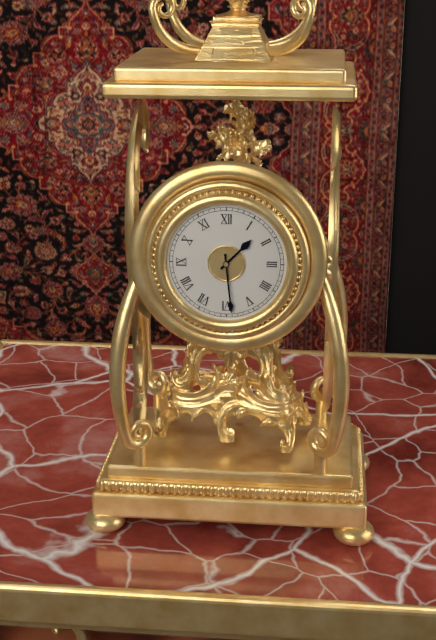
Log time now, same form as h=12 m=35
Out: h=1 m=29
